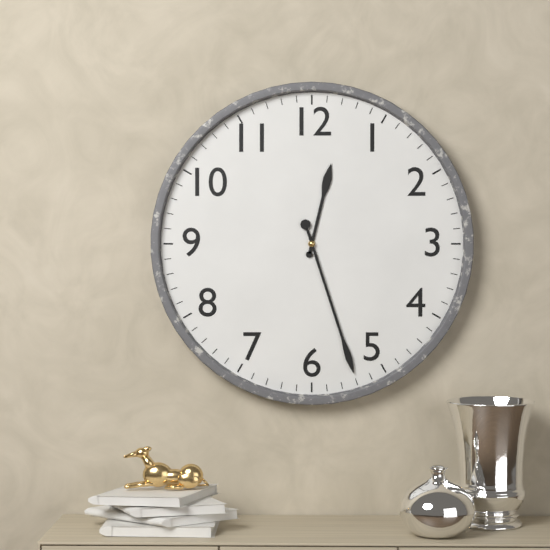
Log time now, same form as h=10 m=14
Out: h=12 m=27
